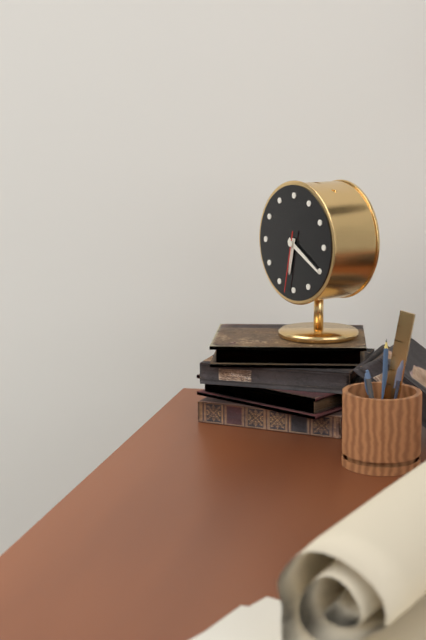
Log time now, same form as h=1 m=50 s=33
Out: h=6 m=20 s=32
